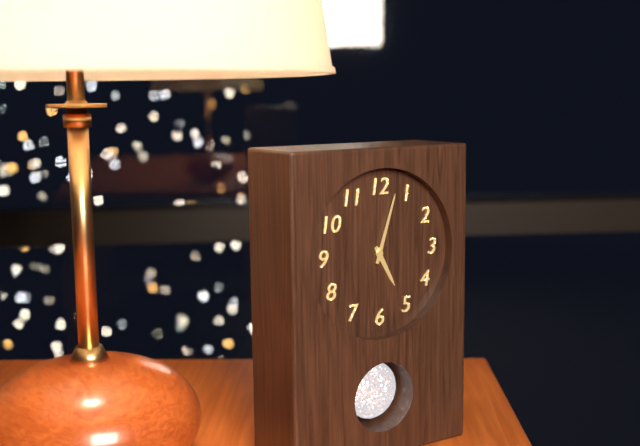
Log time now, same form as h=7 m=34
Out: h=5 m=3
